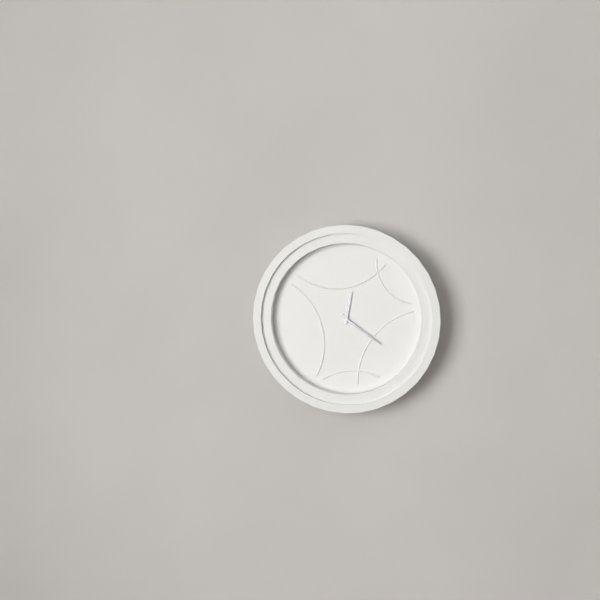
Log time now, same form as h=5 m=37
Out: h=12 m=21
